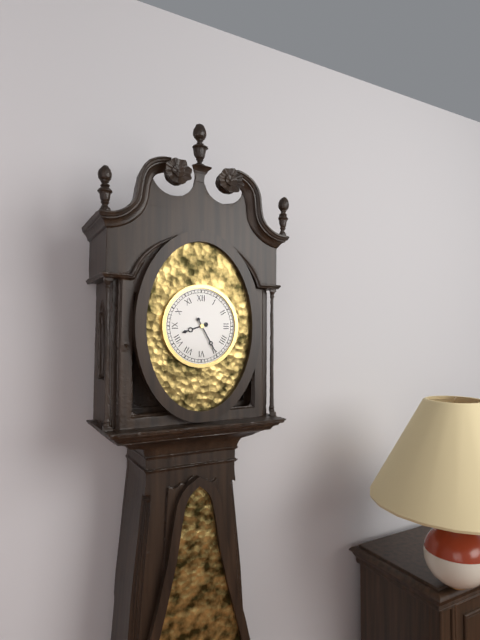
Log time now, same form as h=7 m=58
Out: h=8 m=25
